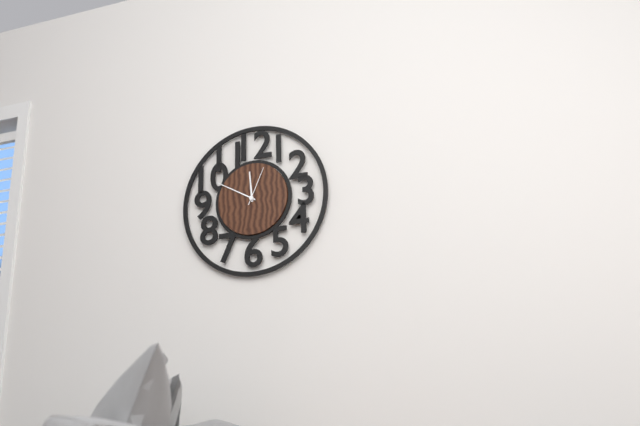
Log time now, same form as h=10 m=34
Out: h=11 m=50
